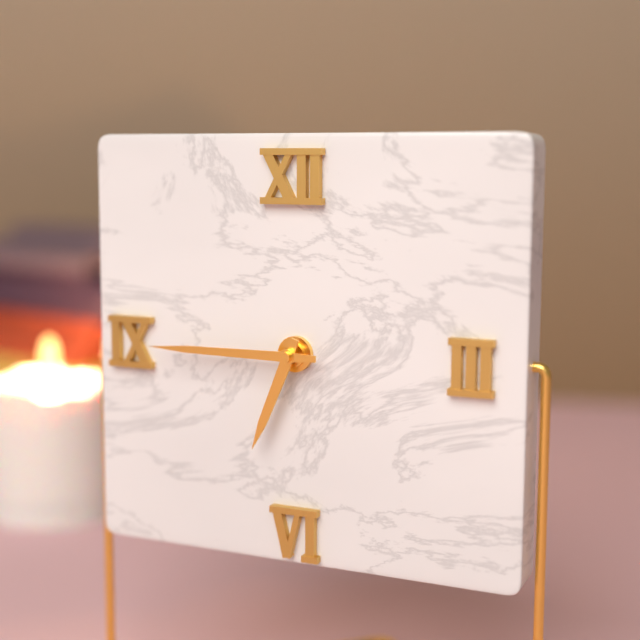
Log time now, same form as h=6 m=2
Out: h=6 m=45
